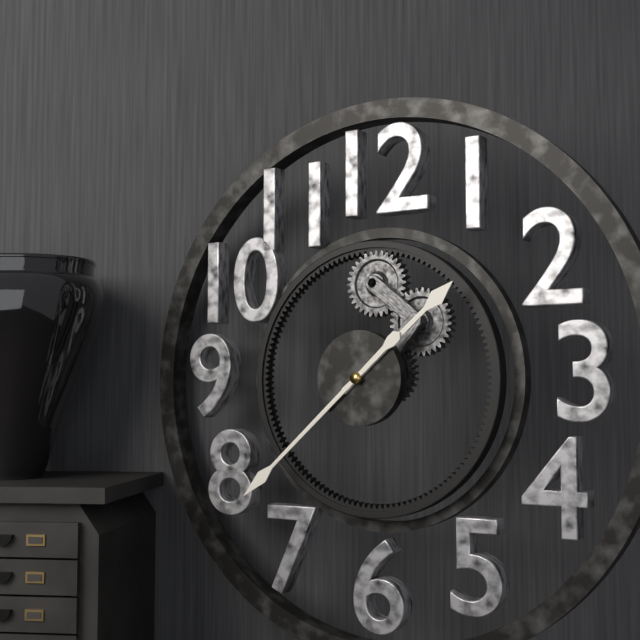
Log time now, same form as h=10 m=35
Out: h=1 m=38
